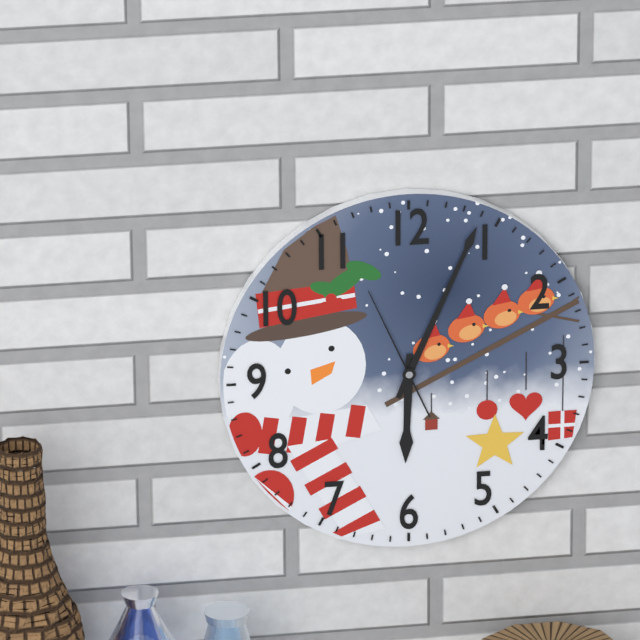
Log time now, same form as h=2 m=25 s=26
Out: h=6 m=4 s=56
